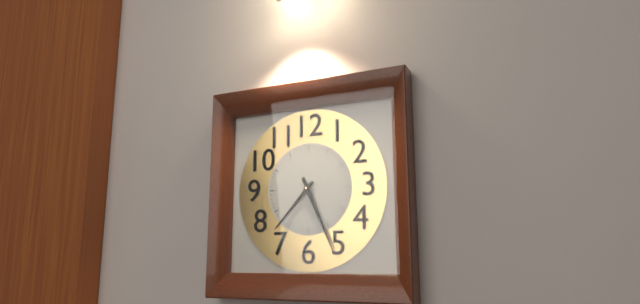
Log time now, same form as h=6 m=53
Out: h=7 m=26
